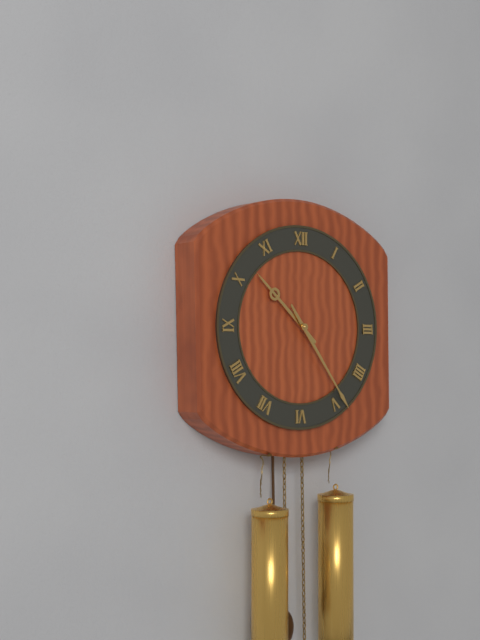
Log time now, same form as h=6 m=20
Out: h=10 m=24
